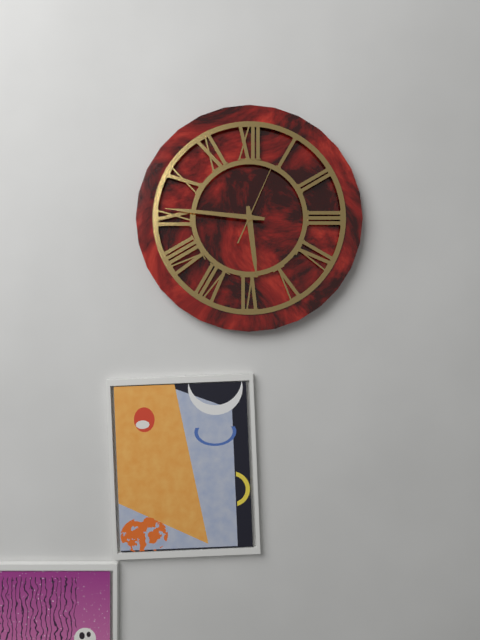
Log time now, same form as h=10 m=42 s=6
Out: h=5 m=46 s=4
